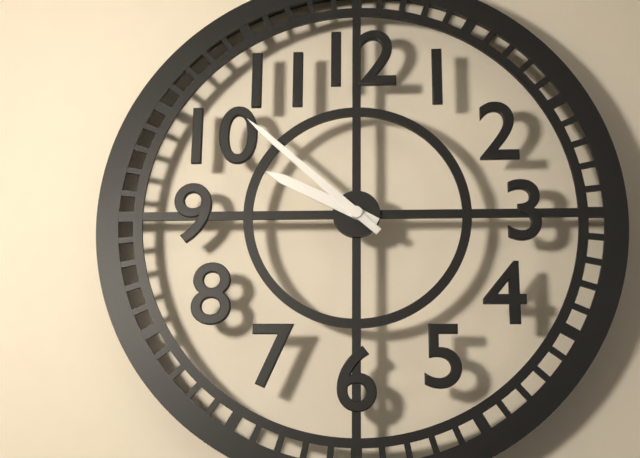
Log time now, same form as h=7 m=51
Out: h=9 m=52
